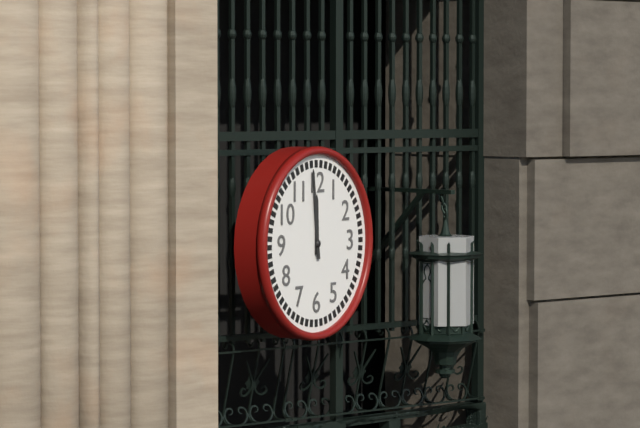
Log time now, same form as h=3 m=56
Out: h=11 m=59
